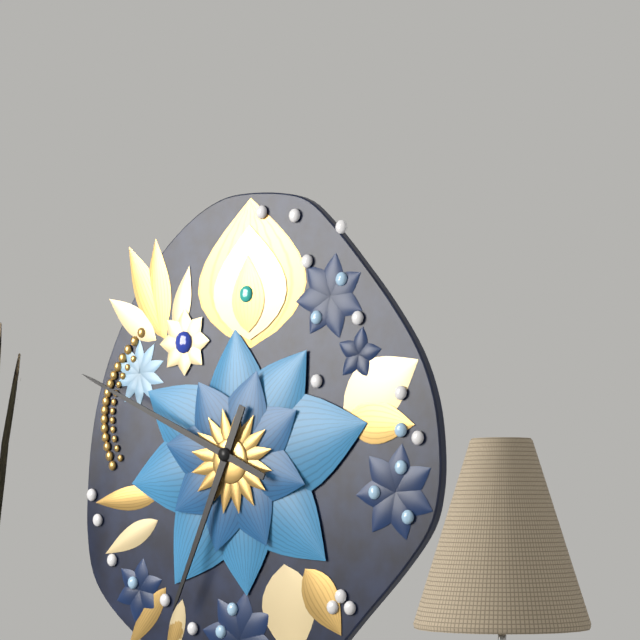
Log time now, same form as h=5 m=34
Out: h=6 m=49
